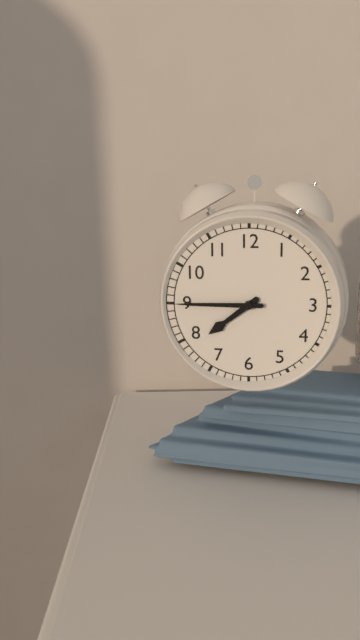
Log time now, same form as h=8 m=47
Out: h=7 m=45
